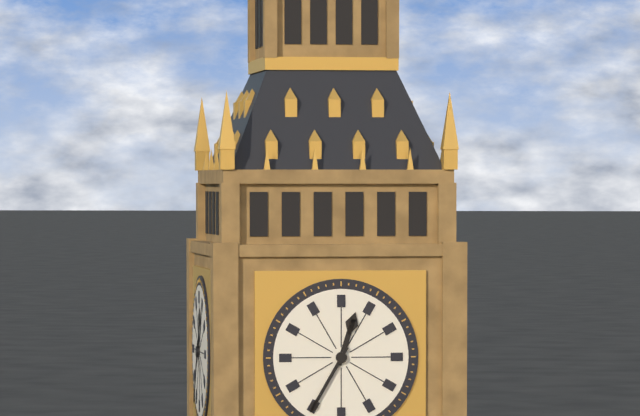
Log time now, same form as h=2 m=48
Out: h=12 m=35
